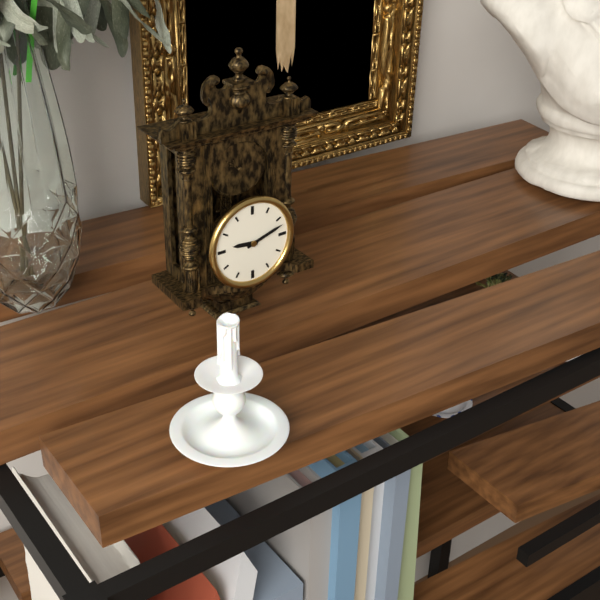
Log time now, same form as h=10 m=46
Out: h=9 m=12
